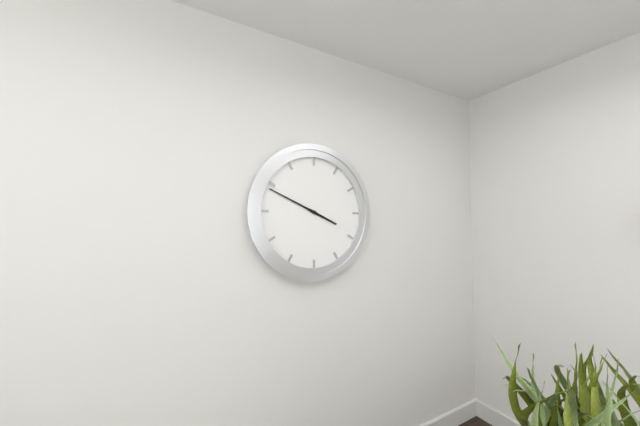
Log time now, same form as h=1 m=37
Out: h=3 m=49
